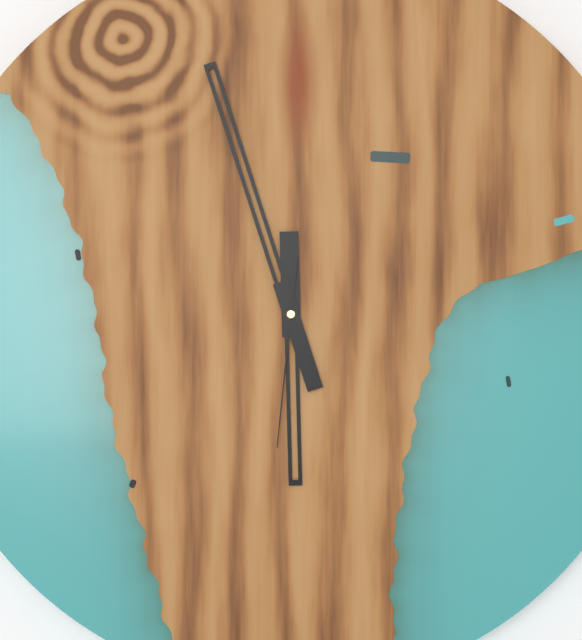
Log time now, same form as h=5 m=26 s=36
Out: h=5 m=57 s=31
